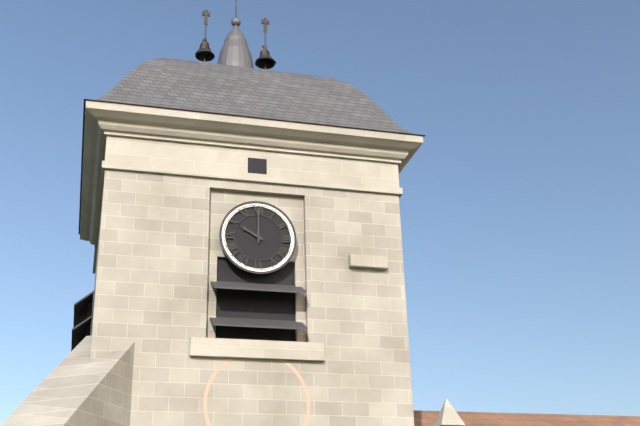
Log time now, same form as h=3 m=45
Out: h=10 m=0
